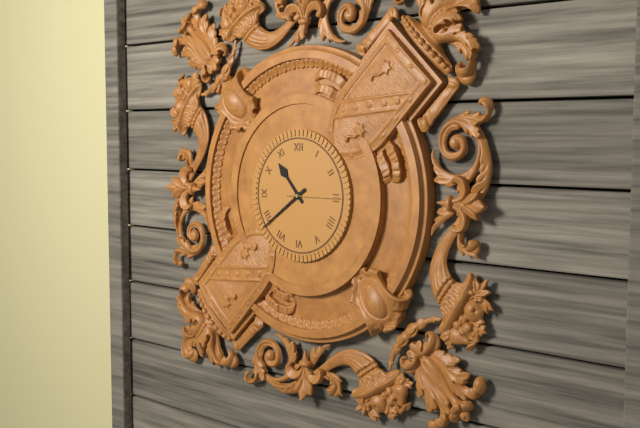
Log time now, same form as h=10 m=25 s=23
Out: h=10 m=39 s=15
